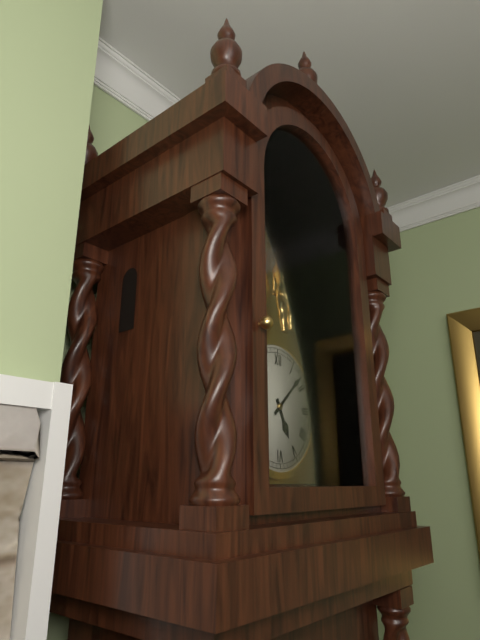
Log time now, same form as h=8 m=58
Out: h=5 m=8
